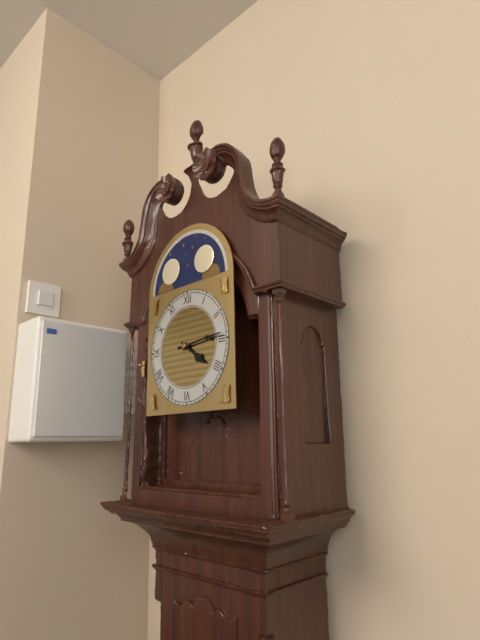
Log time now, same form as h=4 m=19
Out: h=4 m=14
